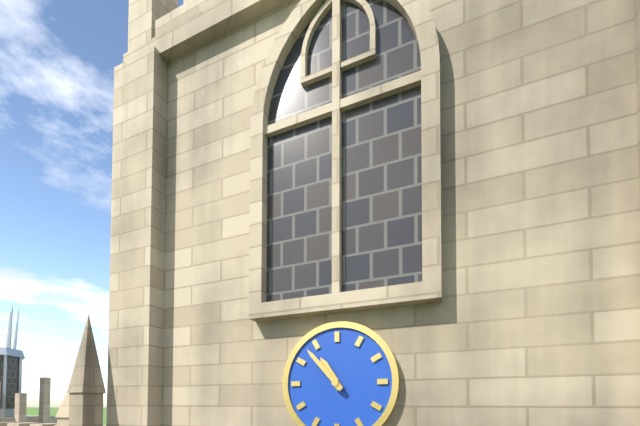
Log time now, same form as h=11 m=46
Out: h=10 m=53
